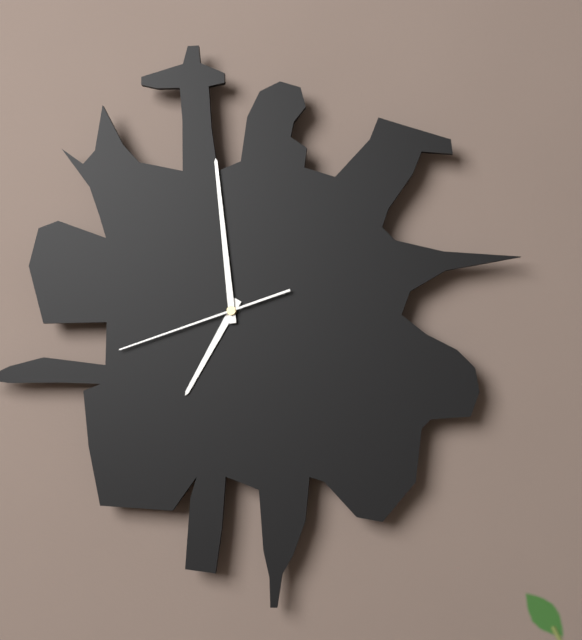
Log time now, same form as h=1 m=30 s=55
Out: h=6 m=59 s=42
